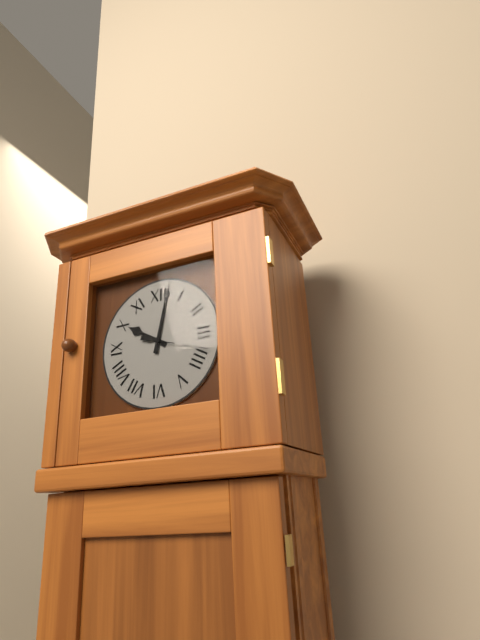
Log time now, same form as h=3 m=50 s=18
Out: h=10 m=2 s=18
